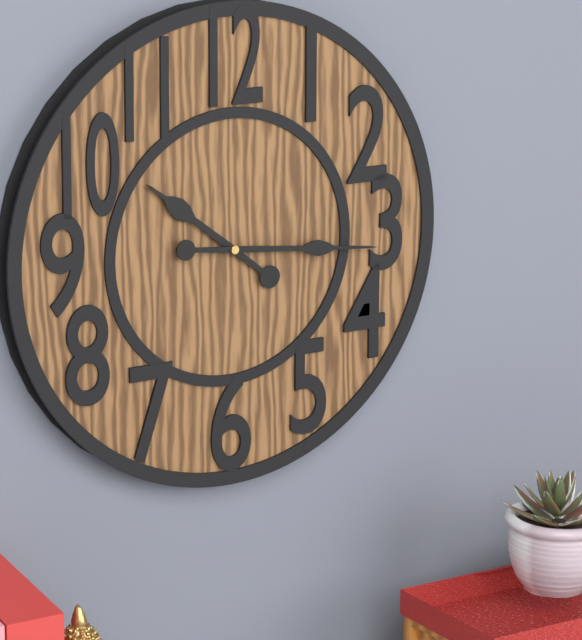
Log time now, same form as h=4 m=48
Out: h=10 m=16
